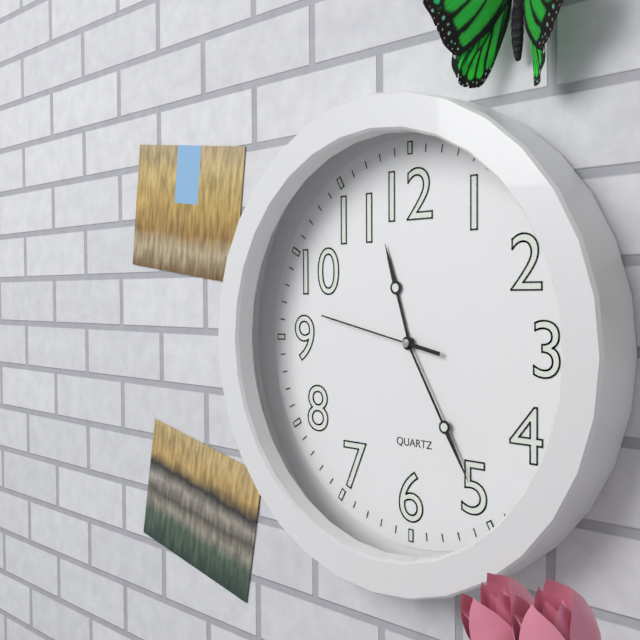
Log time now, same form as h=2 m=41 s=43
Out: h=11 m=25 s=47
